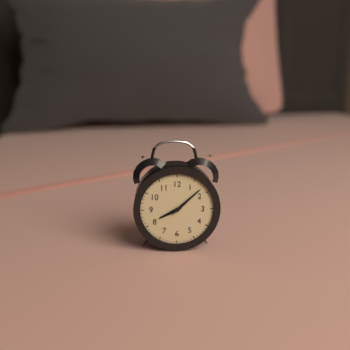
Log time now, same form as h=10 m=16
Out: h=8 m=8
